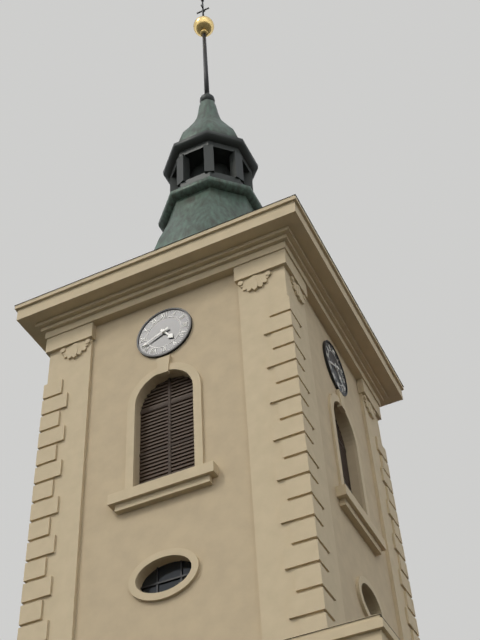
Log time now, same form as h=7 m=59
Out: h=4 m=41
